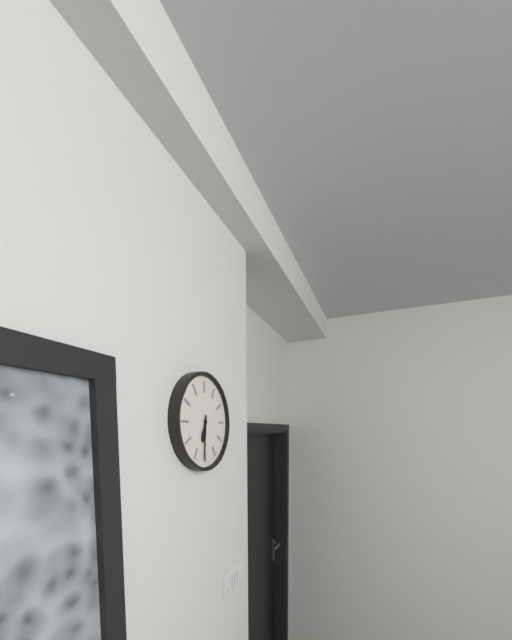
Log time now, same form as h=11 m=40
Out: h=6 m=31
